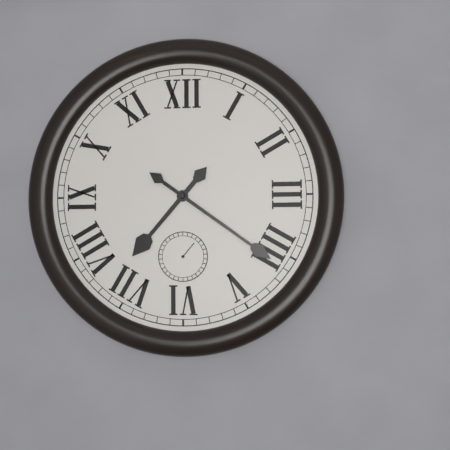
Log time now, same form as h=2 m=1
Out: h=7 m=21
